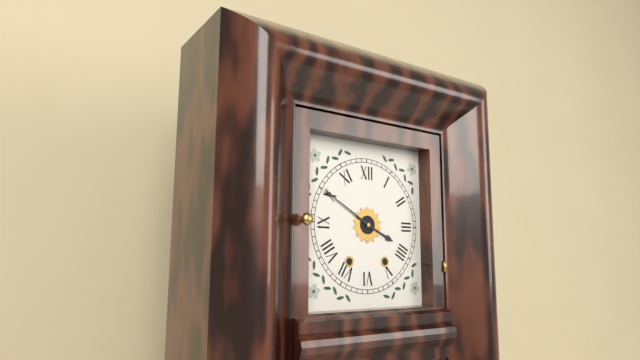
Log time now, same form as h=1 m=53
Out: h=3 m=50
